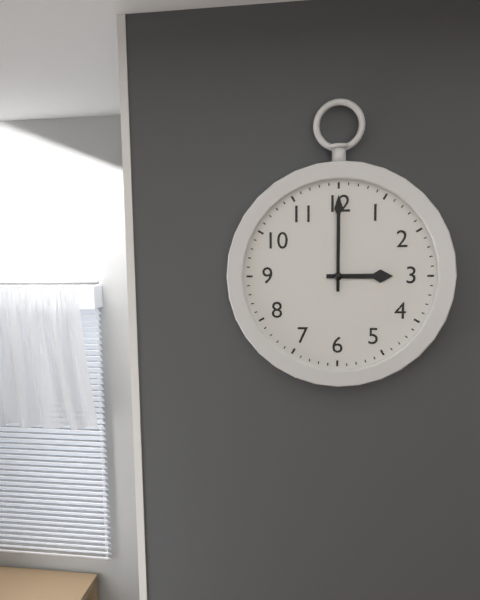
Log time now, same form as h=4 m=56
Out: h=3 m=0
